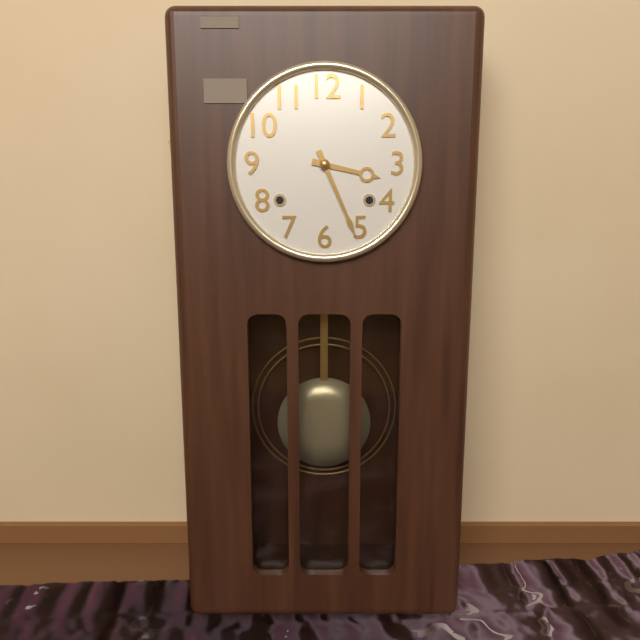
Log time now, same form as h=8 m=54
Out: h=3 m=26
